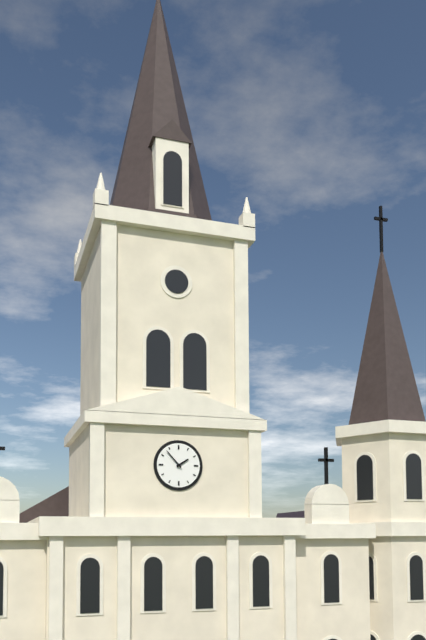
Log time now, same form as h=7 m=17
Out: h=1 m=53
